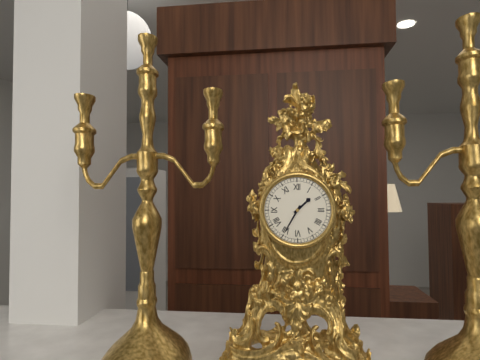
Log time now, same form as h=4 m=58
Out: h=1 m=35
